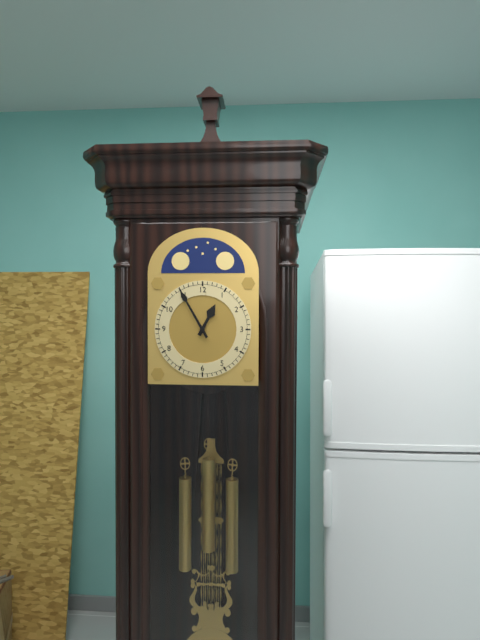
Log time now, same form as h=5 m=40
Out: h=12 m=55
